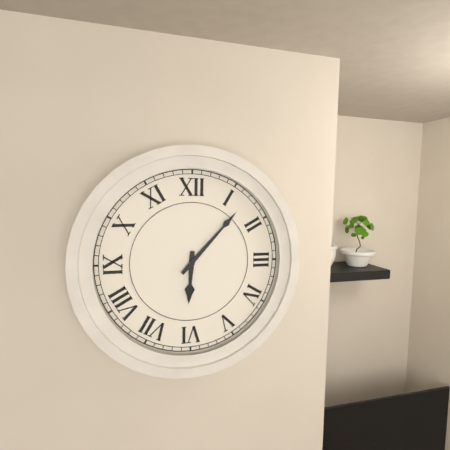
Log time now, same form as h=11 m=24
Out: h=6 m=7
